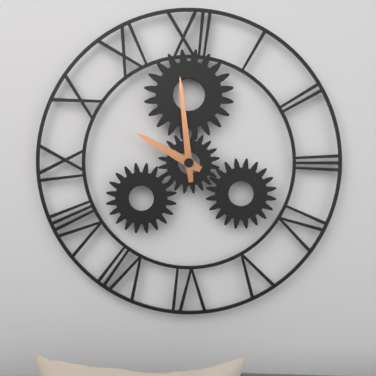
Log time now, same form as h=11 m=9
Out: h=9 m=59
